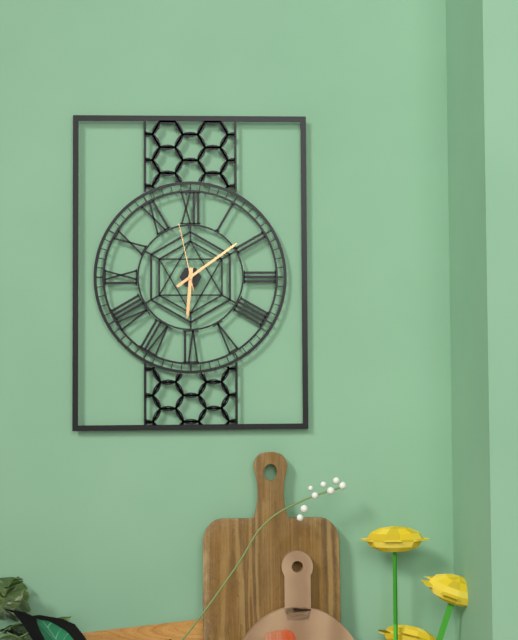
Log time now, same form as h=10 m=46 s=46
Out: h=6 m=9 s=58
